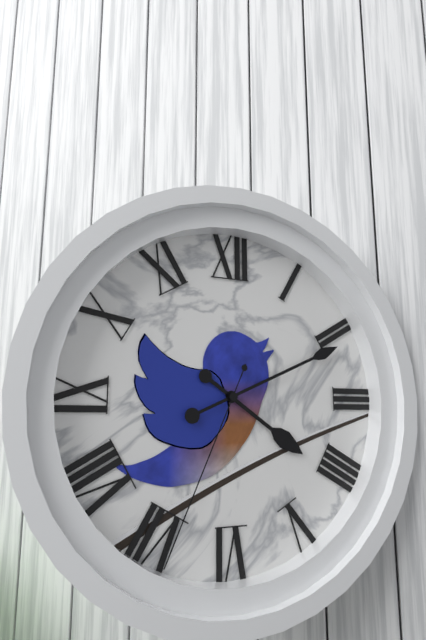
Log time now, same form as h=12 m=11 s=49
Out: h=4 m=11 s=34
